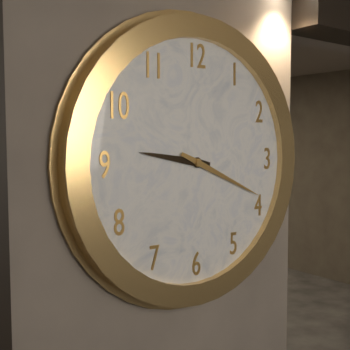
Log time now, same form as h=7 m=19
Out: h=9 m=19
